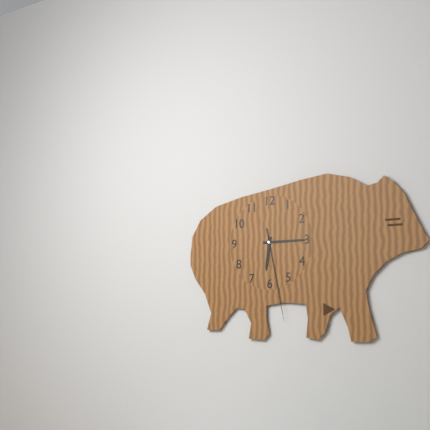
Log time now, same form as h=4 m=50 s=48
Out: h=6 m=15 s=28
